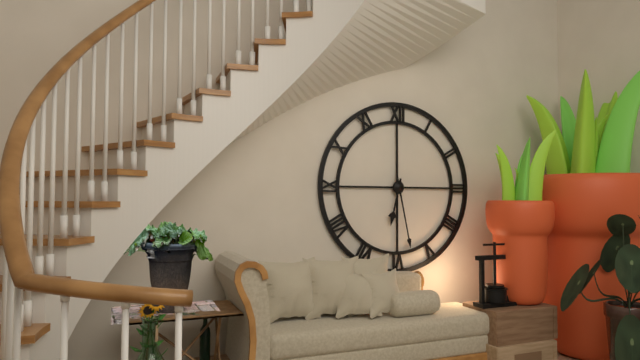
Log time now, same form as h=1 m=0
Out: h=6 m=28
